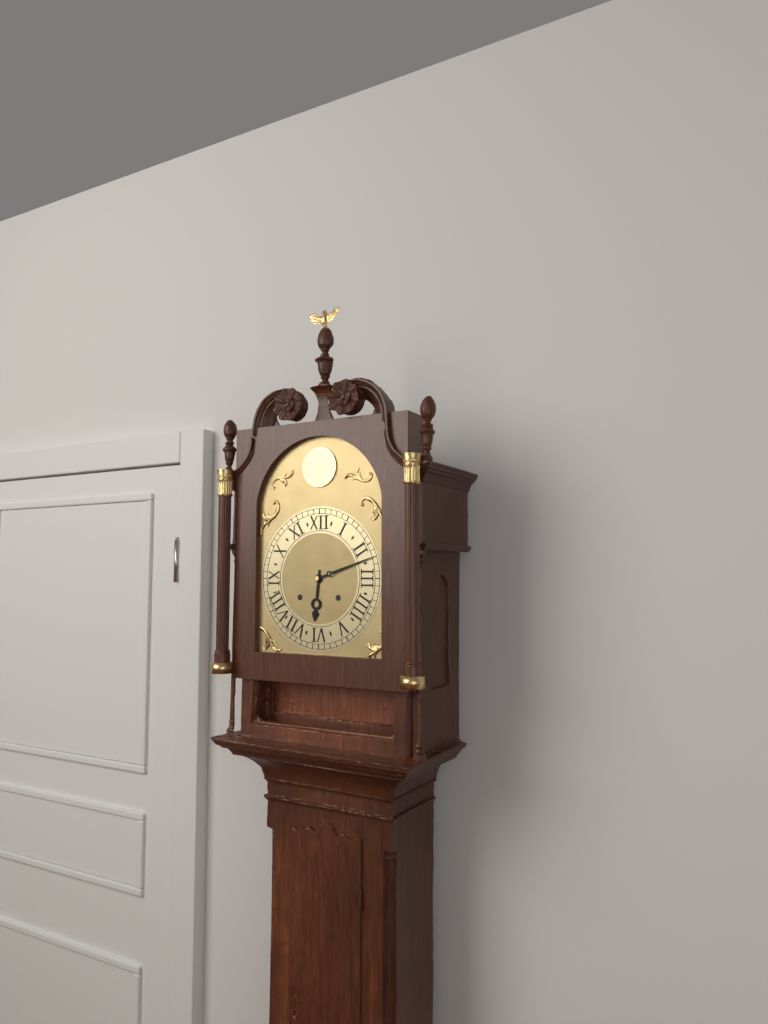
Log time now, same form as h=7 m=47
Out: h=6 m=12
